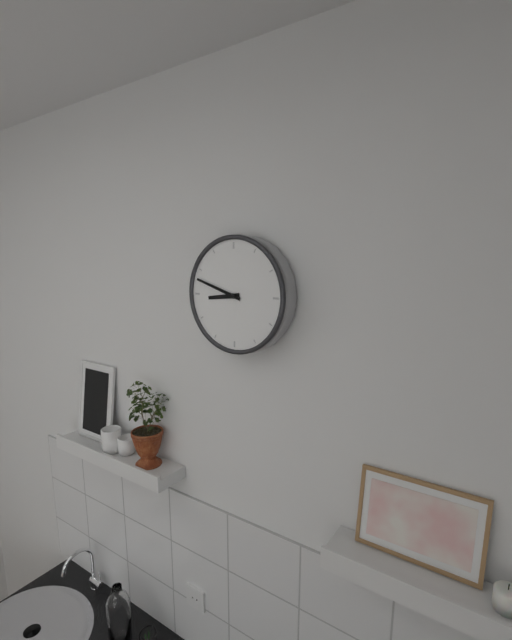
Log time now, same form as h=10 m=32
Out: h=8 m=48
